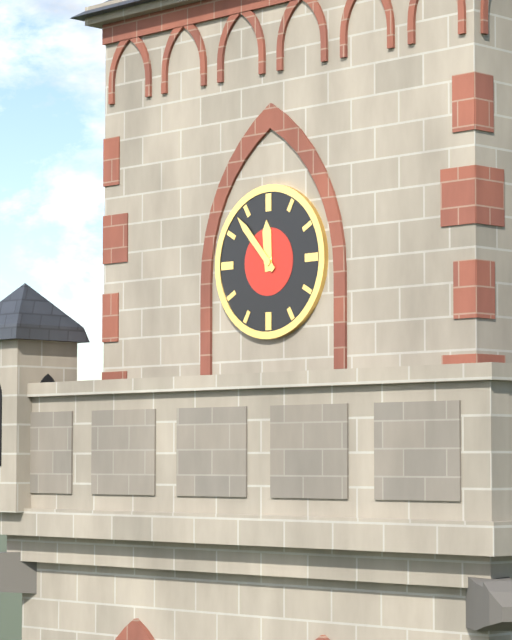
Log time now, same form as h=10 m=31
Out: h=11 m=53
